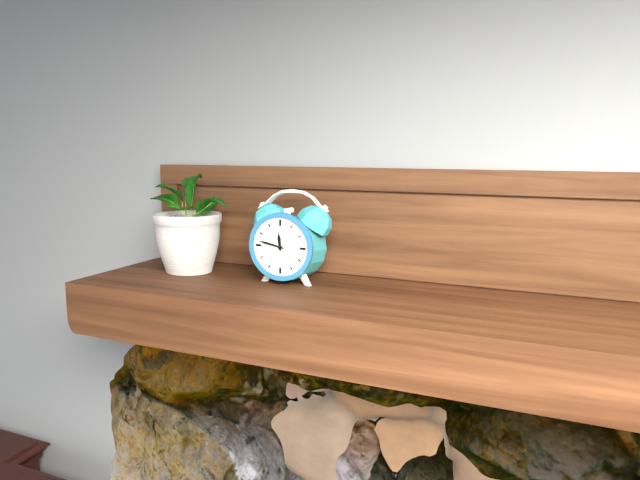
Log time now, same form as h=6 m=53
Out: h=11 m=47
